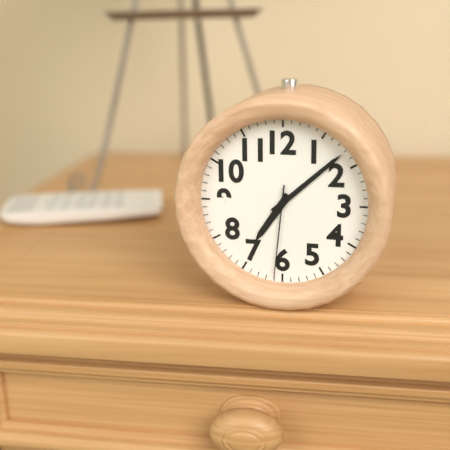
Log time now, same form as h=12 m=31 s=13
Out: h=7 m=8 s=31
